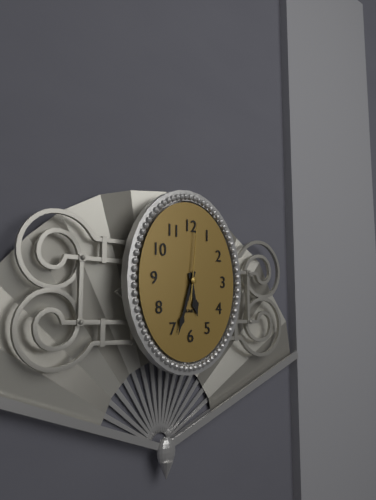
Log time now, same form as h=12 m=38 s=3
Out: h=5 m=33 s=1
